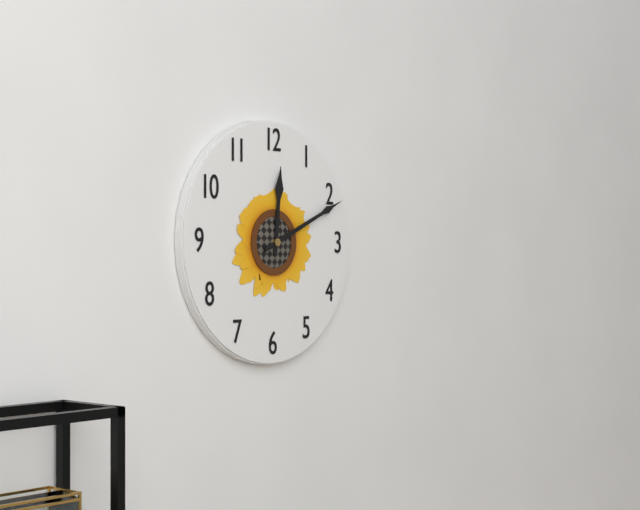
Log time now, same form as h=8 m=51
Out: h=12 m=11
